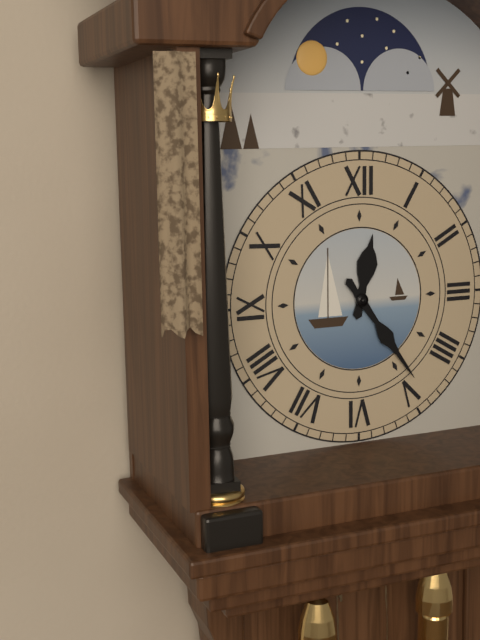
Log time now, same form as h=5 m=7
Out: h=12 m=24
